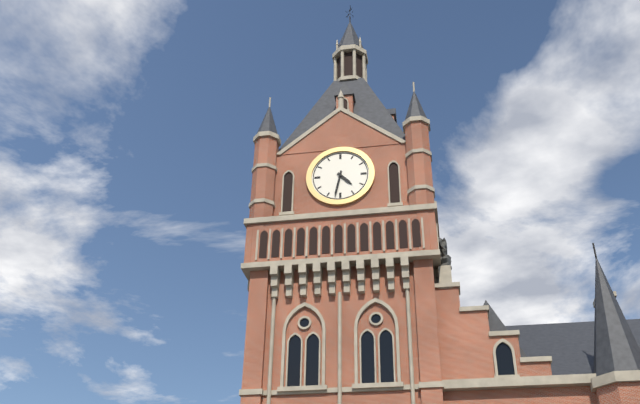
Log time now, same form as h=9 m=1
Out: h=4 m=32
